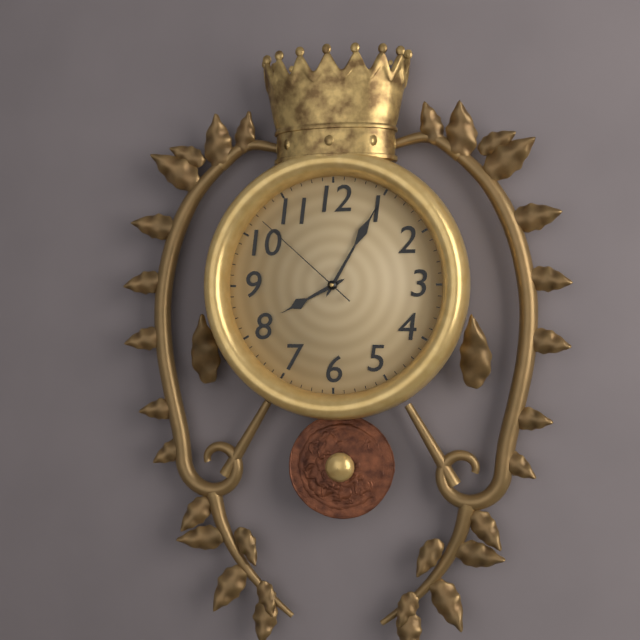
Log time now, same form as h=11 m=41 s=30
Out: h=8 m=5 s=52
